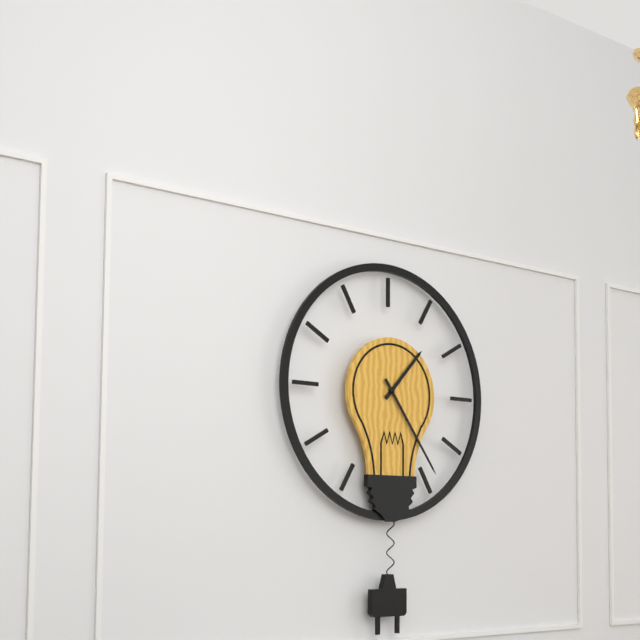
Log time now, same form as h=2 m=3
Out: h=1 m=24
